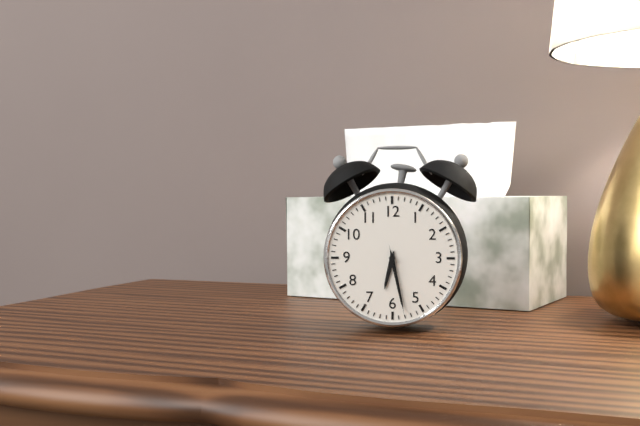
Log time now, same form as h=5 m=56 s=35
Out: h=6 m=28 s=28
